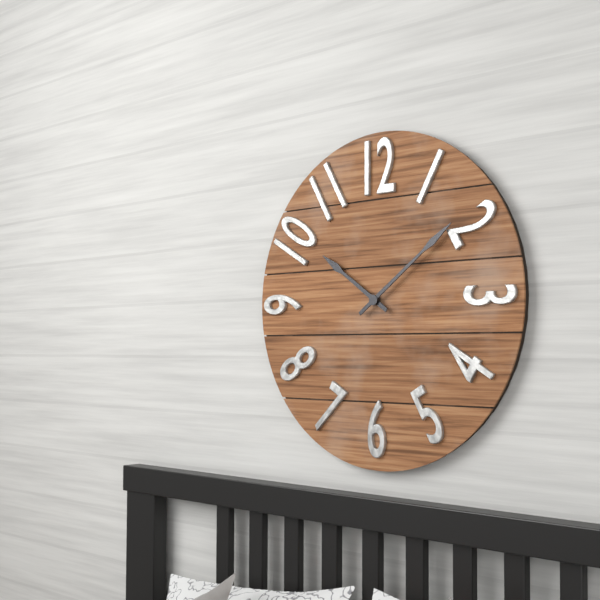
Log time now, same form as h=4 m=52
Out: h=10 m=9
